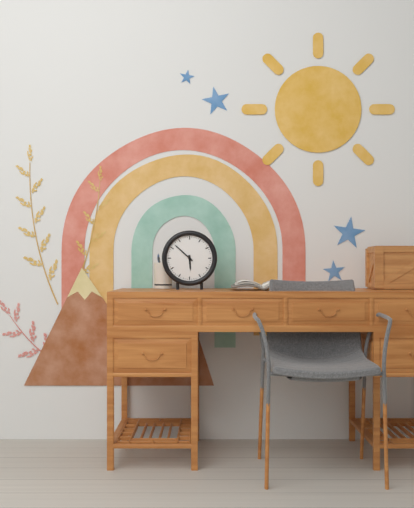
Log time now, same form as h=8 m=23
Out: h=5 m=52
